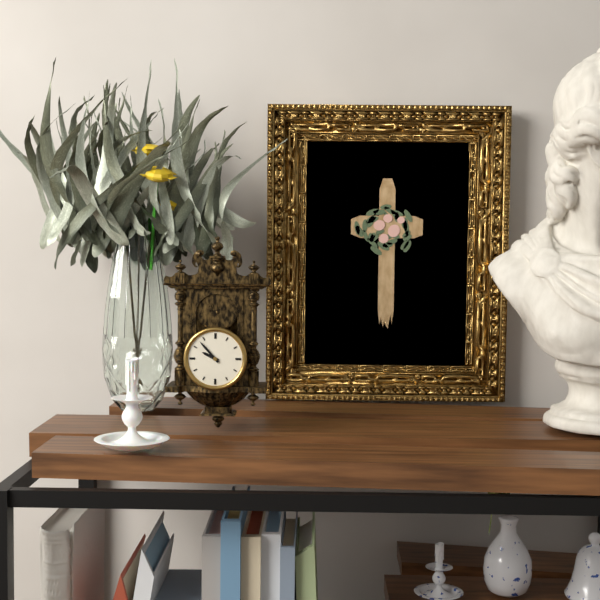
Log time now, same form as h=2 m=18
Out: h=9 m=53
